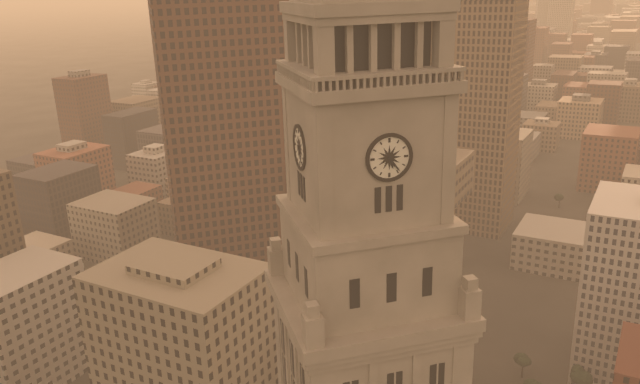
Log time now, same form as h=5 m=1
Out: h=5 m=24
